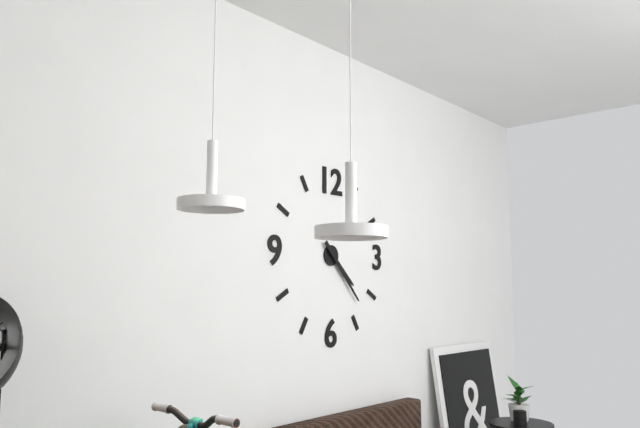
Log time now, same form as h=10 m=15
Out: h=4 m=23
